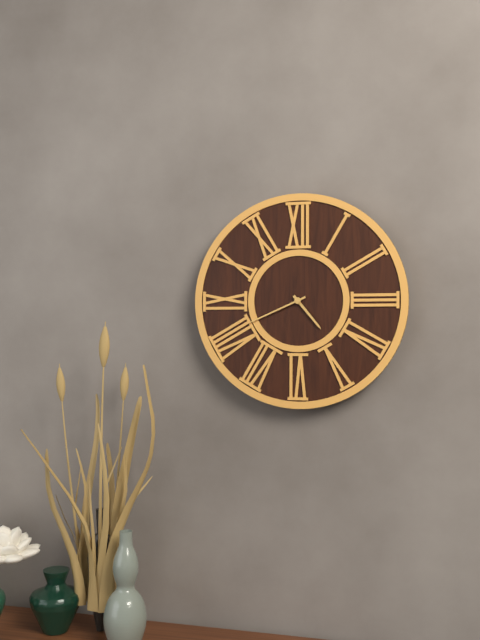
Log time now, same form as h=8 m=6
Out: h=4 m=41
